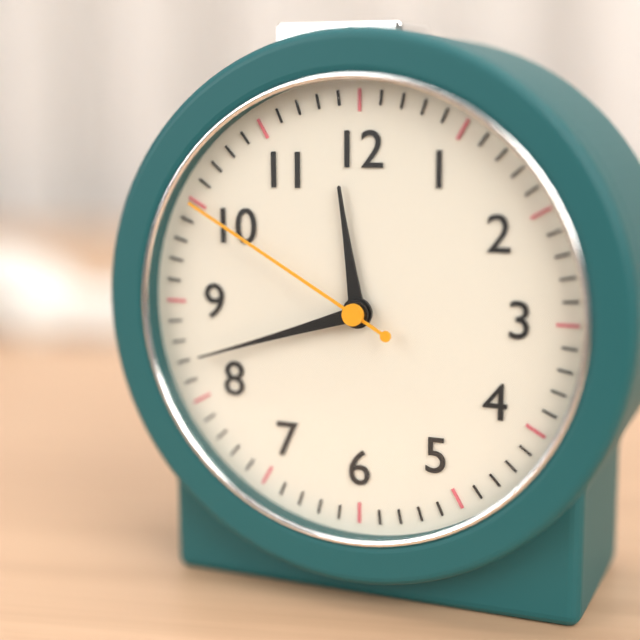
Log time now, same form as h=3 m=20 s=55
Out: h=11 m=42 s=50
